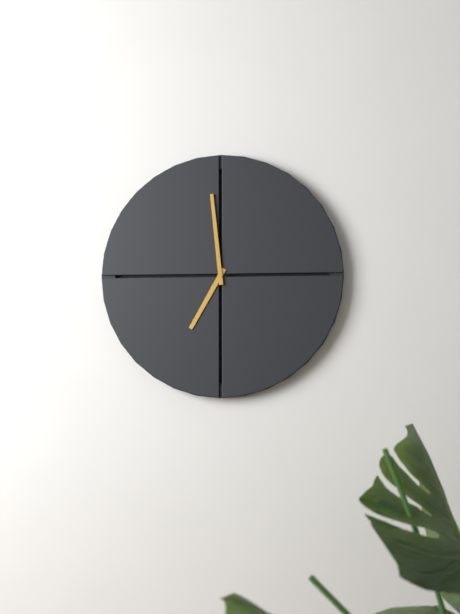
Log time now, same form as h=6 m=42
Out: h=6 m=59
